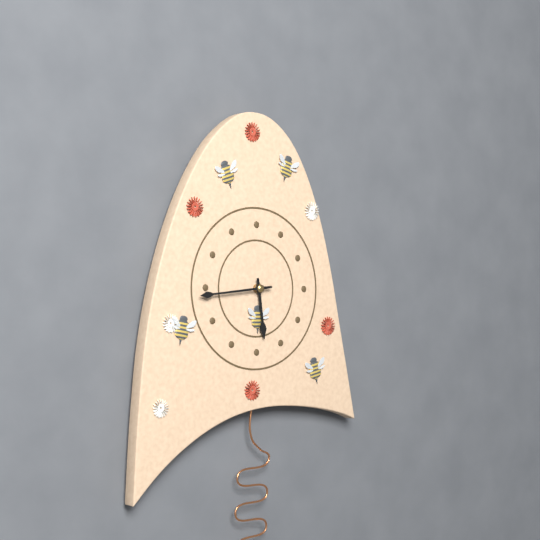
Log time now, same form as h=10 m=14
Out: h=5 m=44
